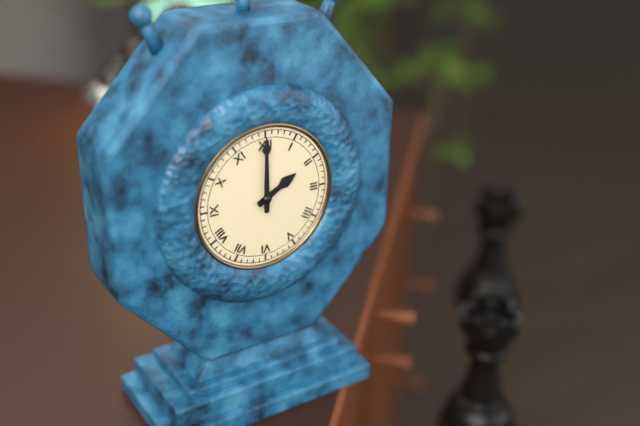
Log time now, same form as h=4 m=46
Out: h=2 m=0
